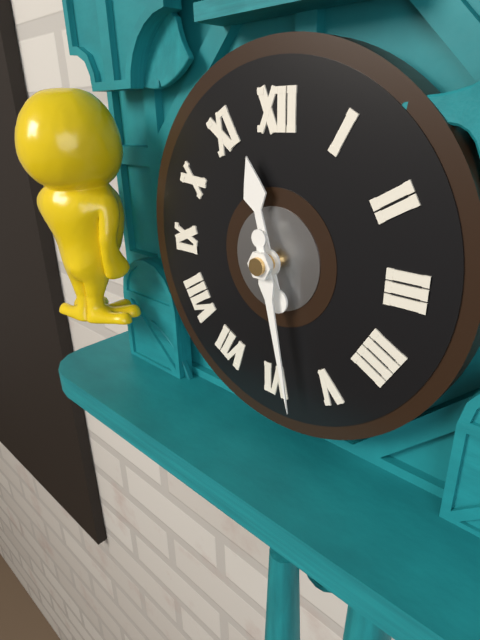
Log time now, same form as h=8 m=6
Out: h=11 m=28
